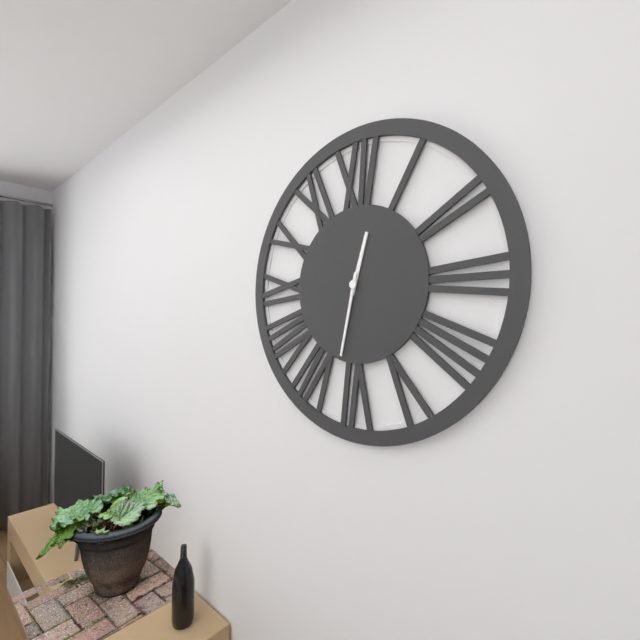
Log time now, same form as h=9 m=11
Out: h=12 m=32
